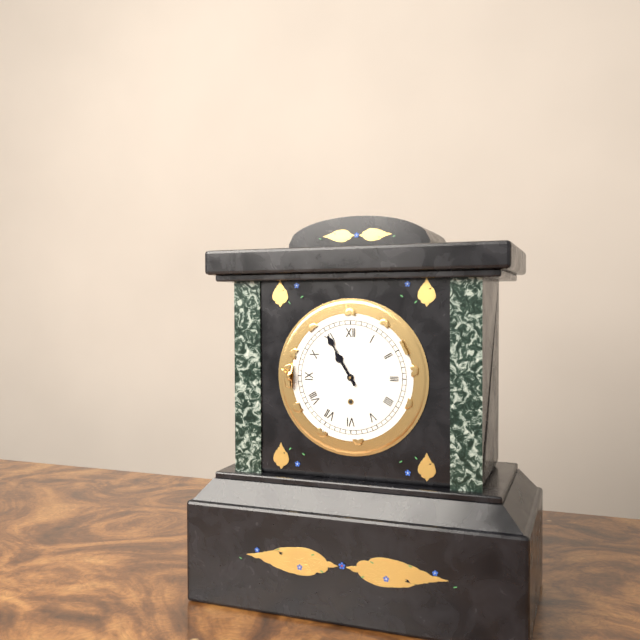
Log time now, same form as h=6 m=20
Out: h=10 m=55
